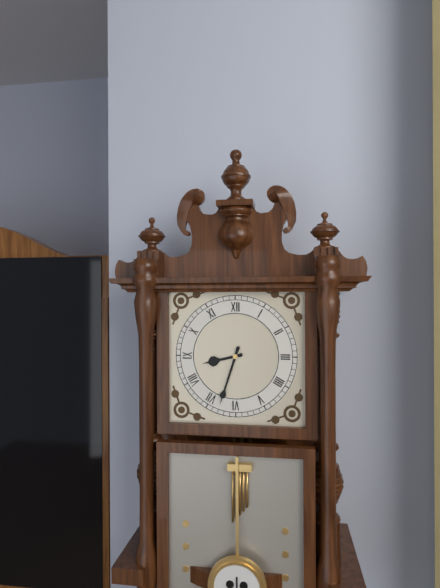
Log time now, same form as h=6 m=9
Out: h=8 m=33
